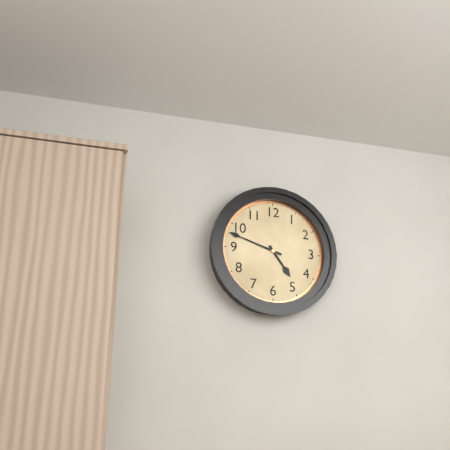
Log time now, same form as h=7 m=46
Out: h=4 m=48
